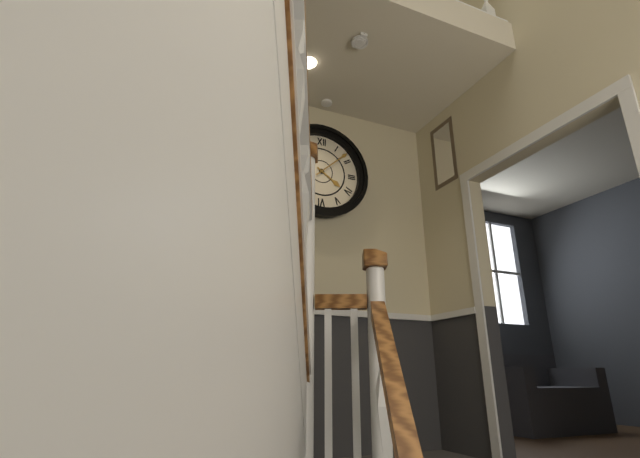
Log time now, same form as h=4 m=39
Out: h=4 m=8
